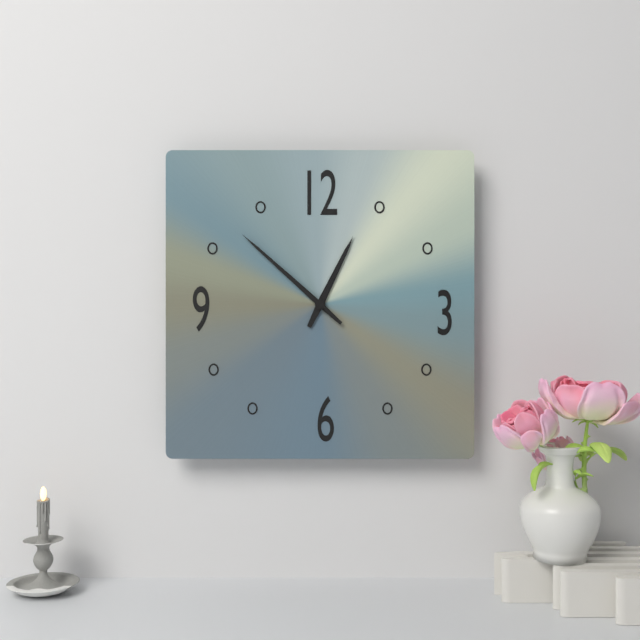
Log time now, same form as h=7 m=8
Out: h=12 m=52
